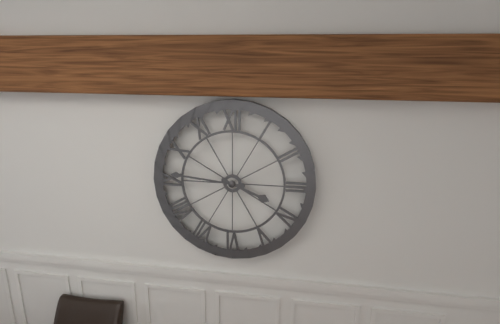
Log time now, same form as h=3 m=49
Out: h=3 m=46
